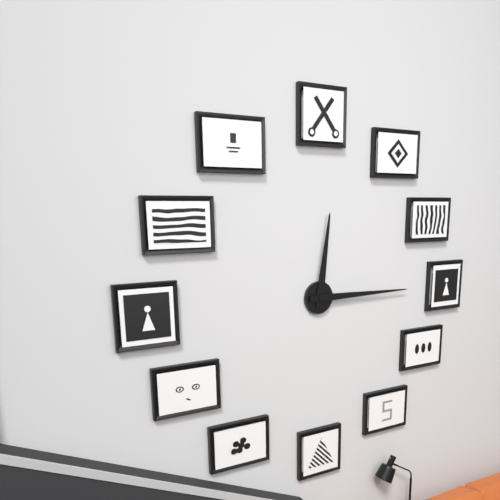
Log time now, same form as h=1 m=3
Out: h=12 m=15
